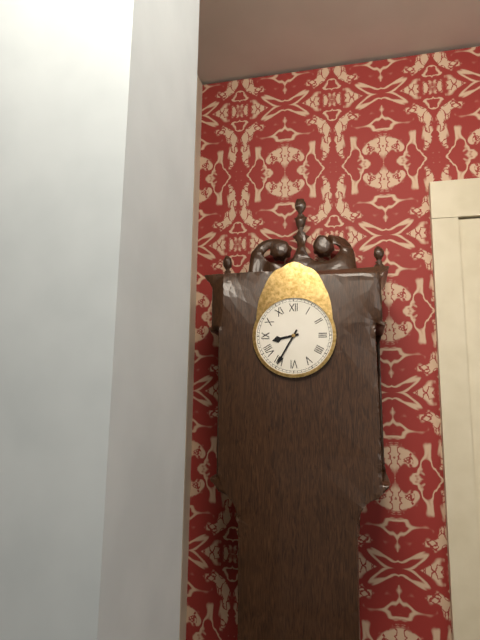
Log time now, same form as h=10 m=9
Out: h=8 m=35
